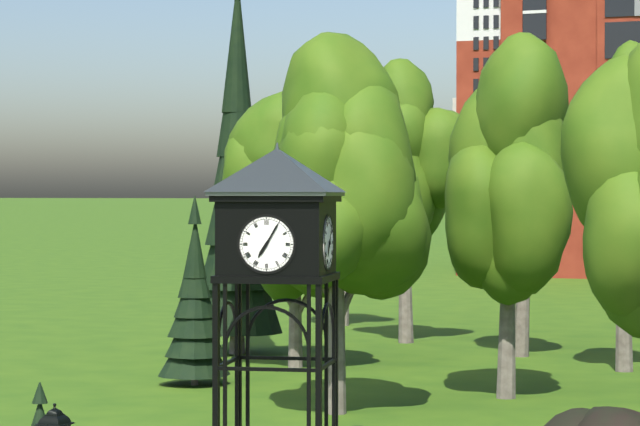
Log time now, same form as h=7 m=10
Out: h=7 m=5
